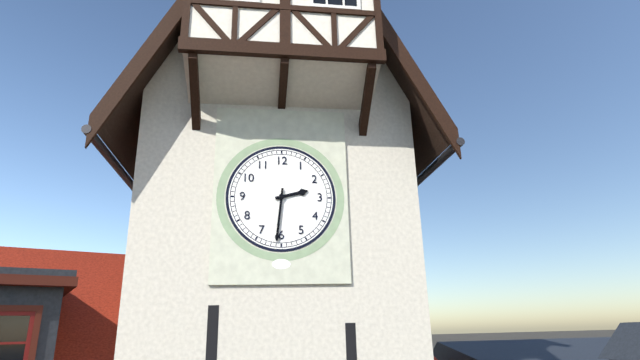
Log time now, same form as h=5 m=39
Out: h=2 m=31
